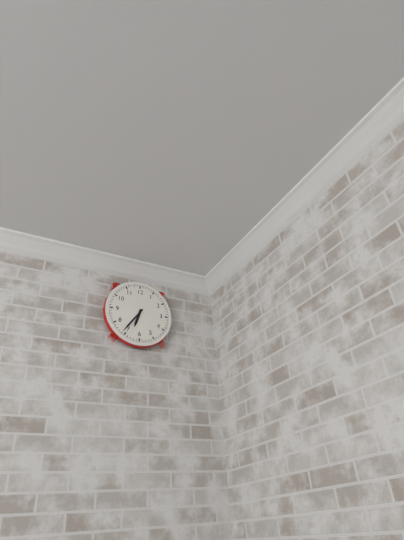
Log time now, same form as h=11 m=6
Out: h=6 m=36
